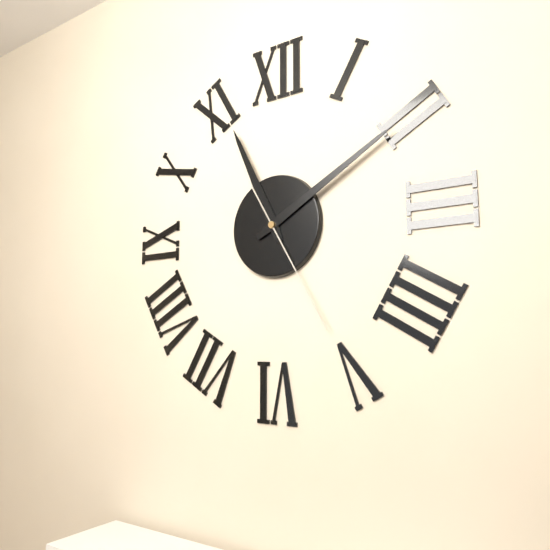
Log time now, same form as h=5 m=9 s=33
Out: h=11 m=10 s=25
